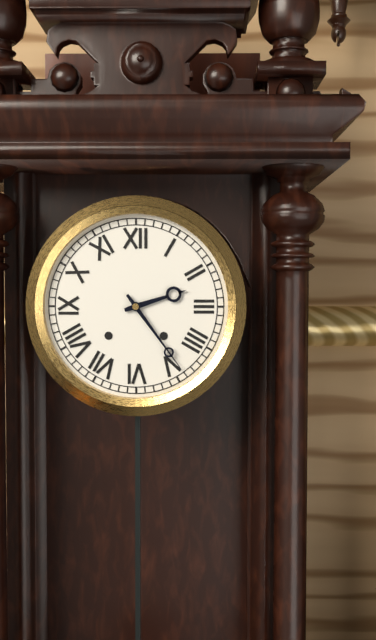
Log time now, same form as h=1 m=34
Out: h=2 m=24
